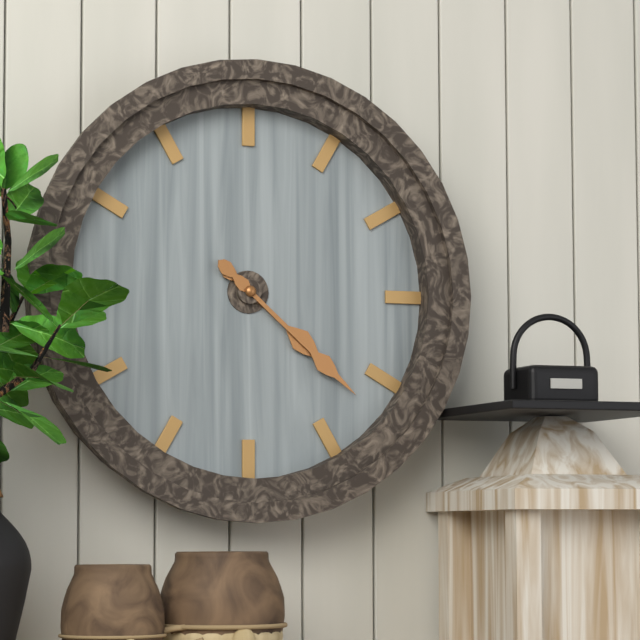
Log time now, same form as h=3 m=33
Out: h=4 m=22
